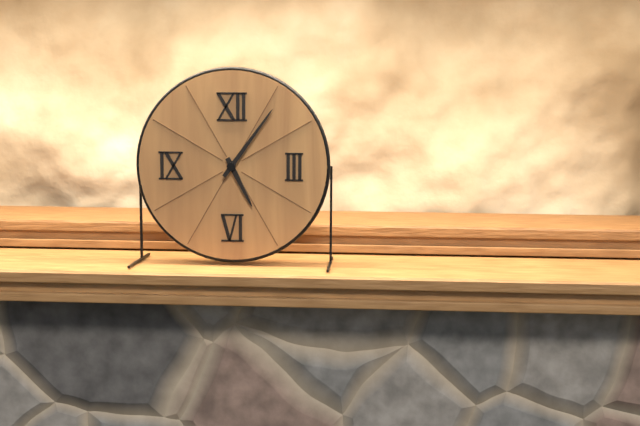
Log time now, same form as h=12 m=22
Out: h=5 m=6
